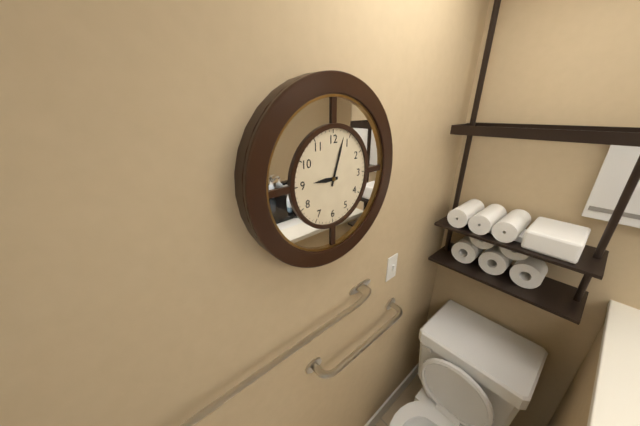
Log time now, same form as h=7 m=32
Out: h=9 m=3
